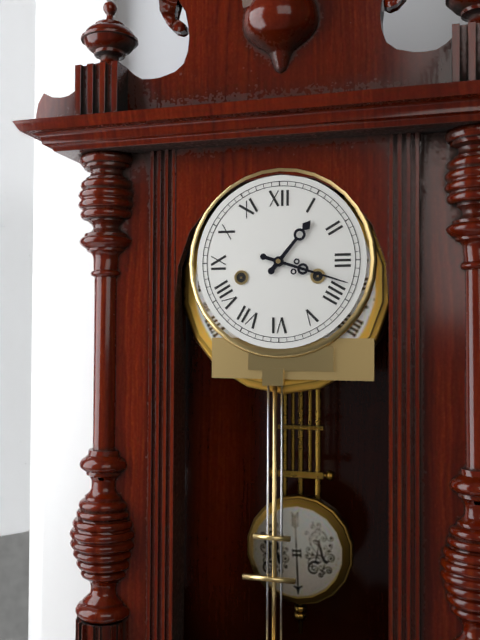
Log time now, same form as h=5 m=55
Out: h=1 m=18
